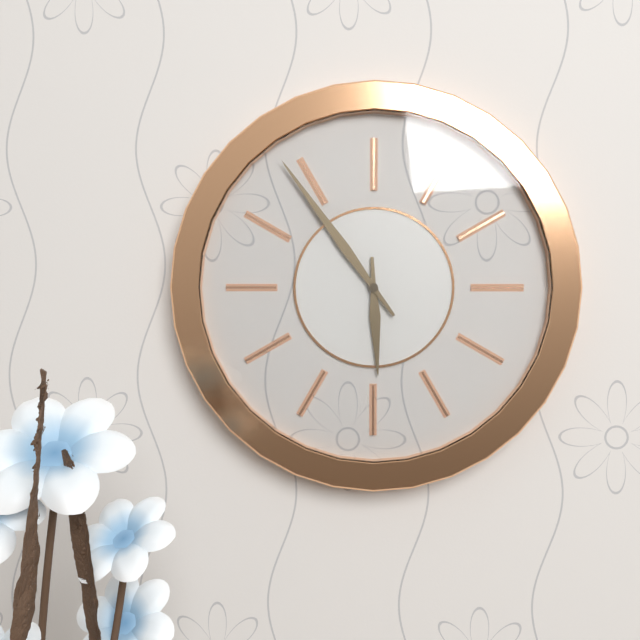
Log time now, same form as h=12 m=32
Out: h=5 m=54
